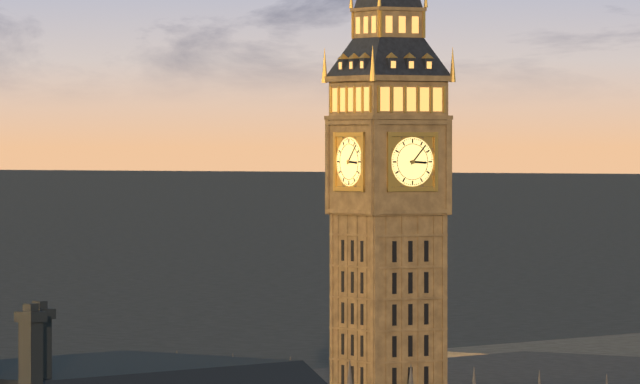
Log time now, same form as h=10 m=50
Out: h=3 m=7
